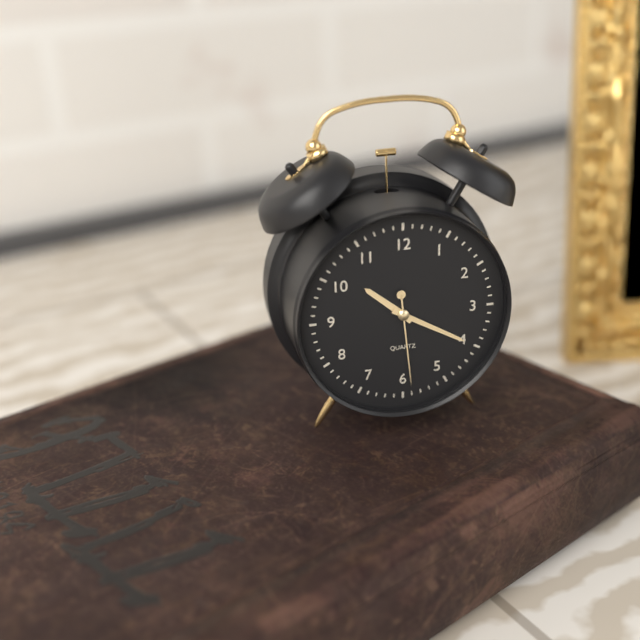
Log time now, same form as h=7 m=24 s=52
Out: h=10 m=20 s=29
